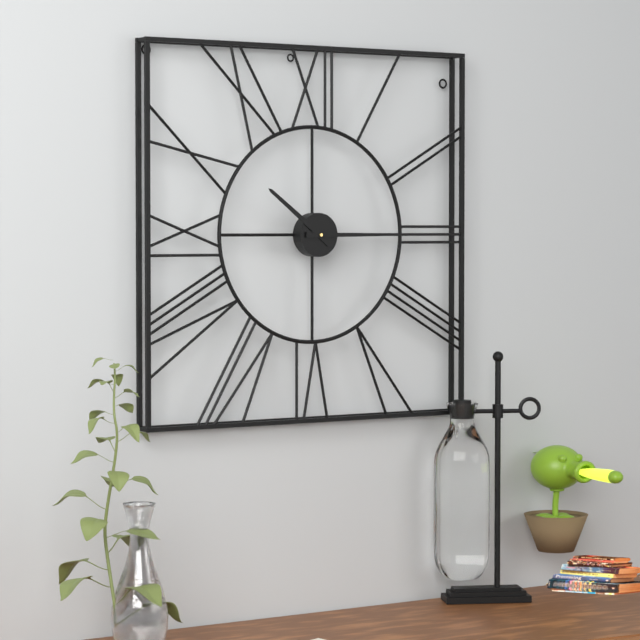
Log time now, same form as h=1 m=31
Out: h=10 m=15
